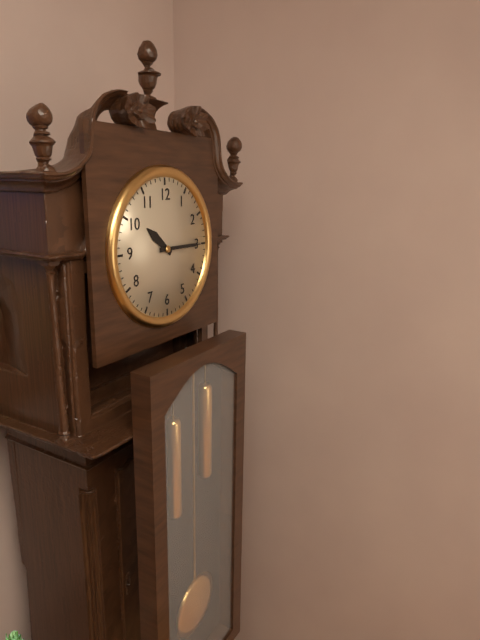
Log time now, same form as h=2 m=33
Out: h=10 m=15
